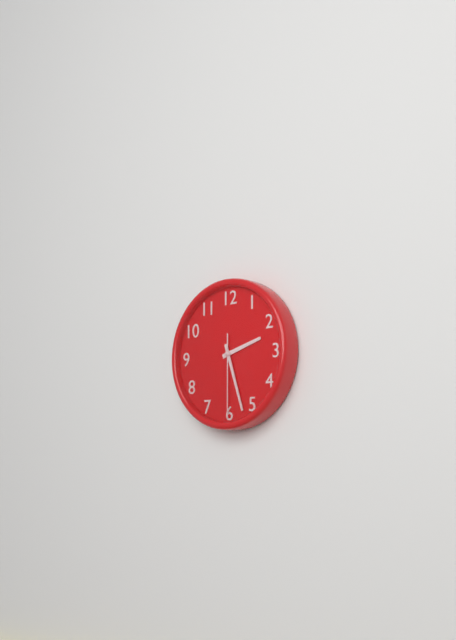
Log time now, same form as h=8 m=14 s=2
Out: h=2 m=27 s=30
